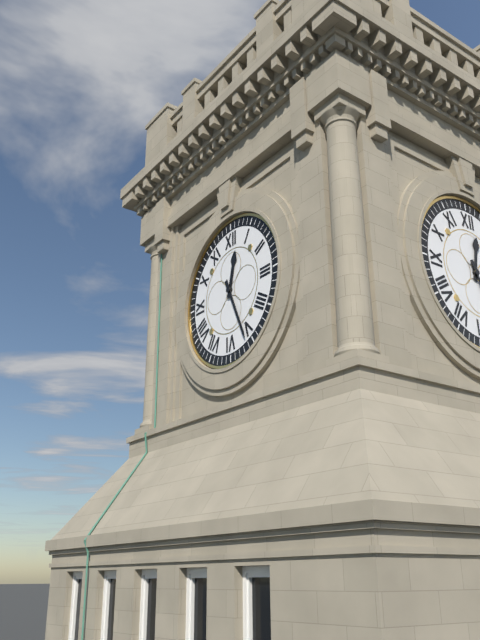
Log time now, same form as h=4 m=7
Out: h=12 m=26
